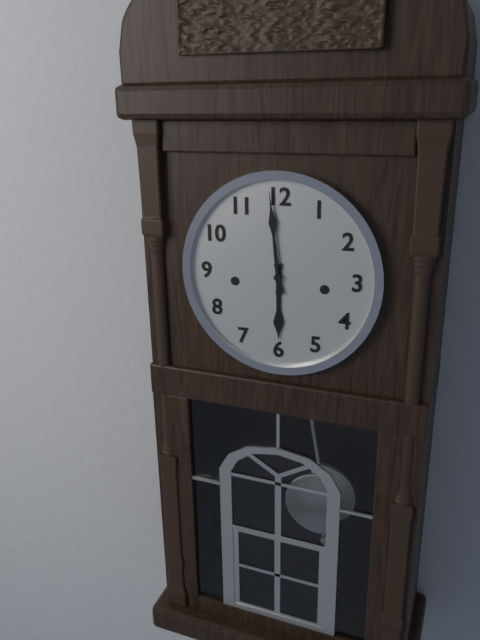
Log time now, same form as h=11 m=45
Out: h=5 m=59
